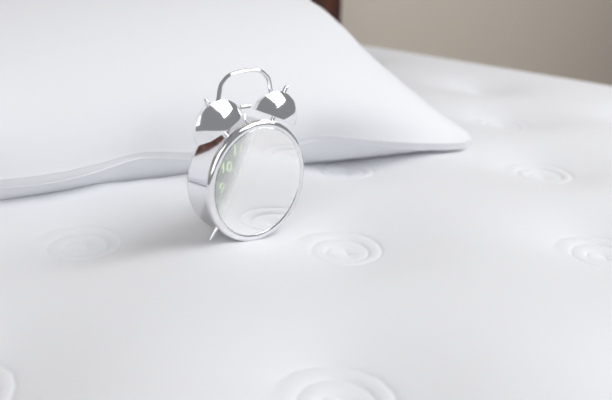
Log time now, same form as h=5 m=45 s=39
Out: h=11 m=23 s=2
